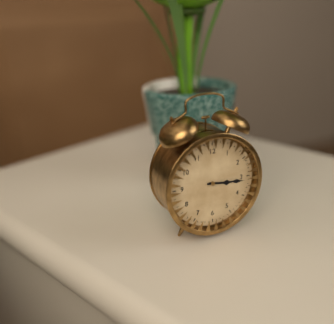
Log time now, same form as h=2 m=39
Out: h=3 m=16
